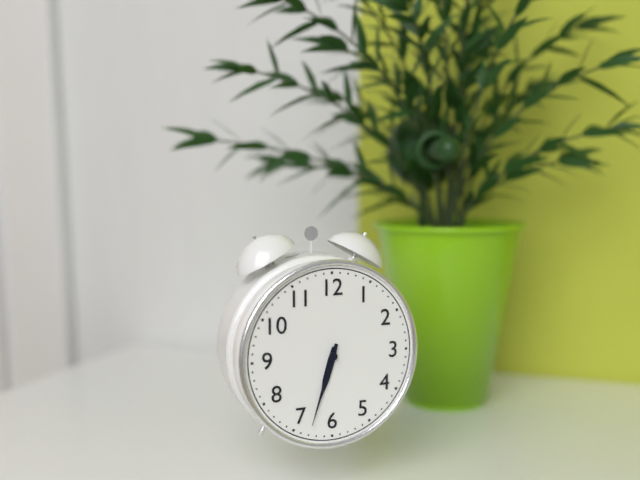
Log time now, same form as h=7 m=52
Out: h=6 m=33
